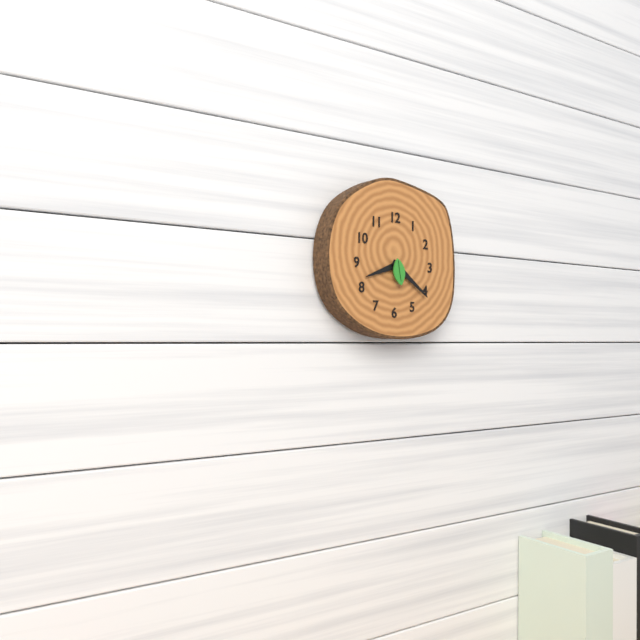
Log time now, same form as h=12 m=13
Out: h=8 m=21
